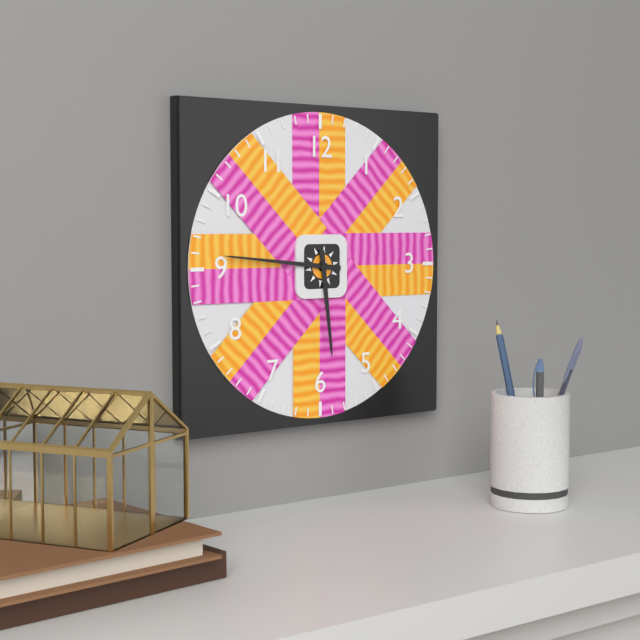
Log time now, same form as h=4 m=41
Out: h=5 m=46
